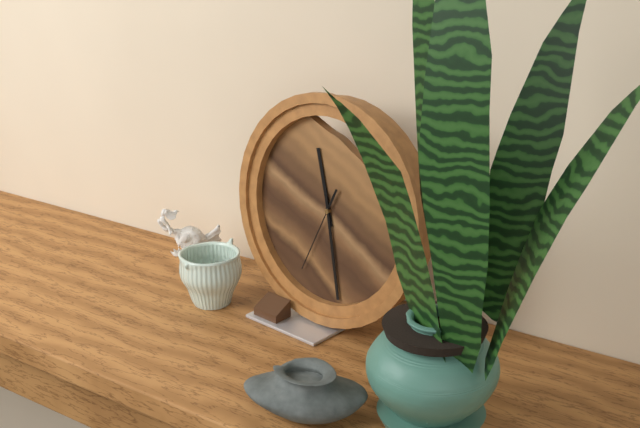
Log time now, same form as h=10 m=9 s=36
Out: h=11 m=28 s=34
